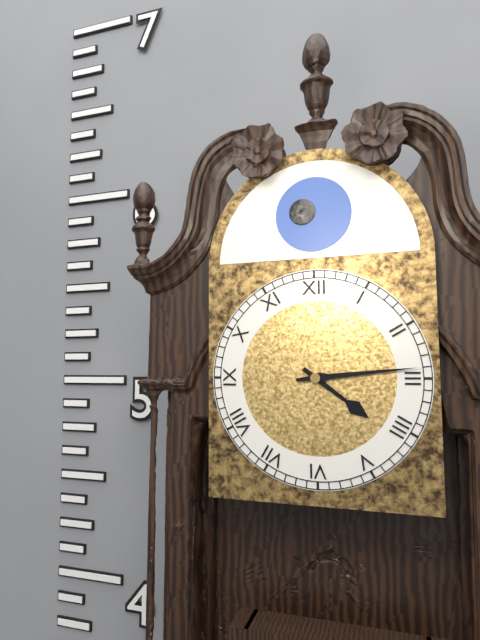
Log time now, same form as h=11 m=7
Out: h=4 m=14
